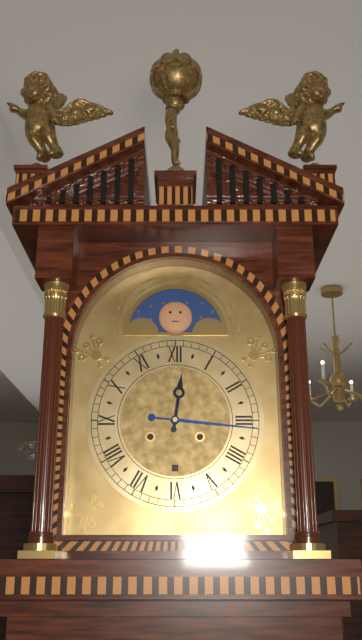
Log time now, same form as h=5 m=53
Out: h=12 m=16
